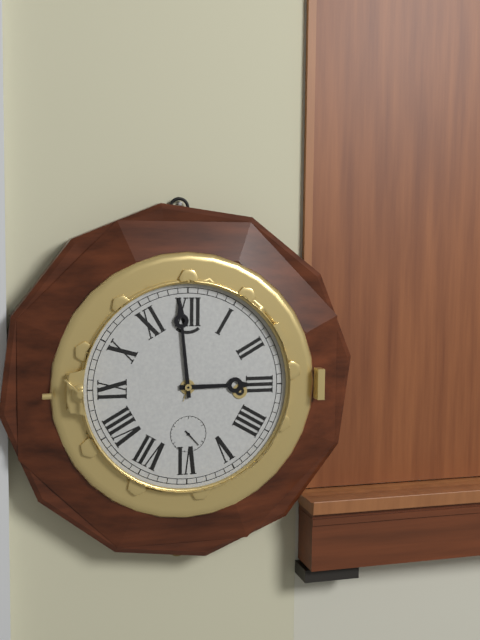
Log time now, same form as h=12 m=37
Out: h=2 m=59
